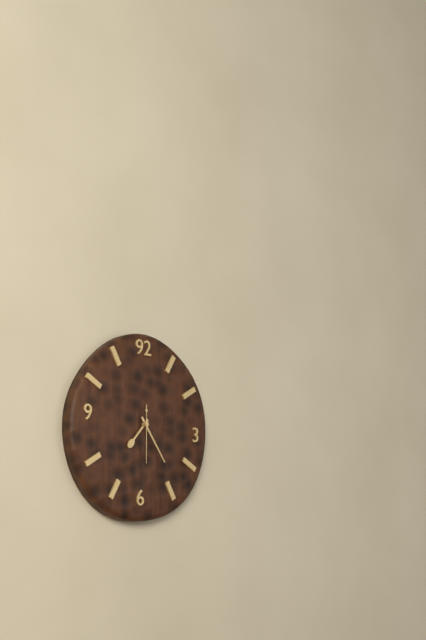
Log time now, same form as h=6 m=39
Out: h=7 m=24
